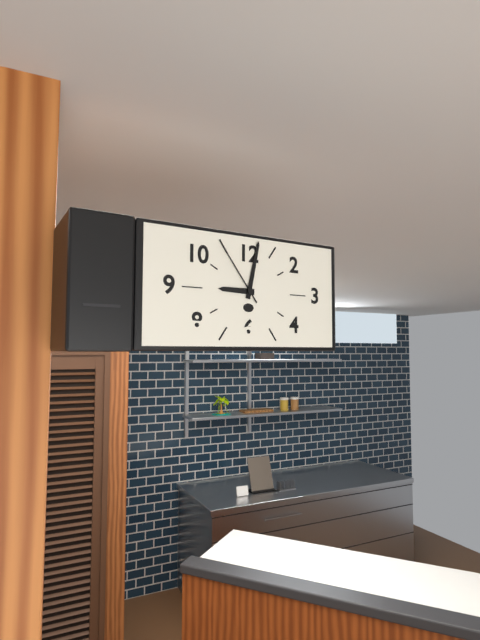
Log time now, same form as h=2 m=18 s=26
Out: h=9 m=2 s=54
